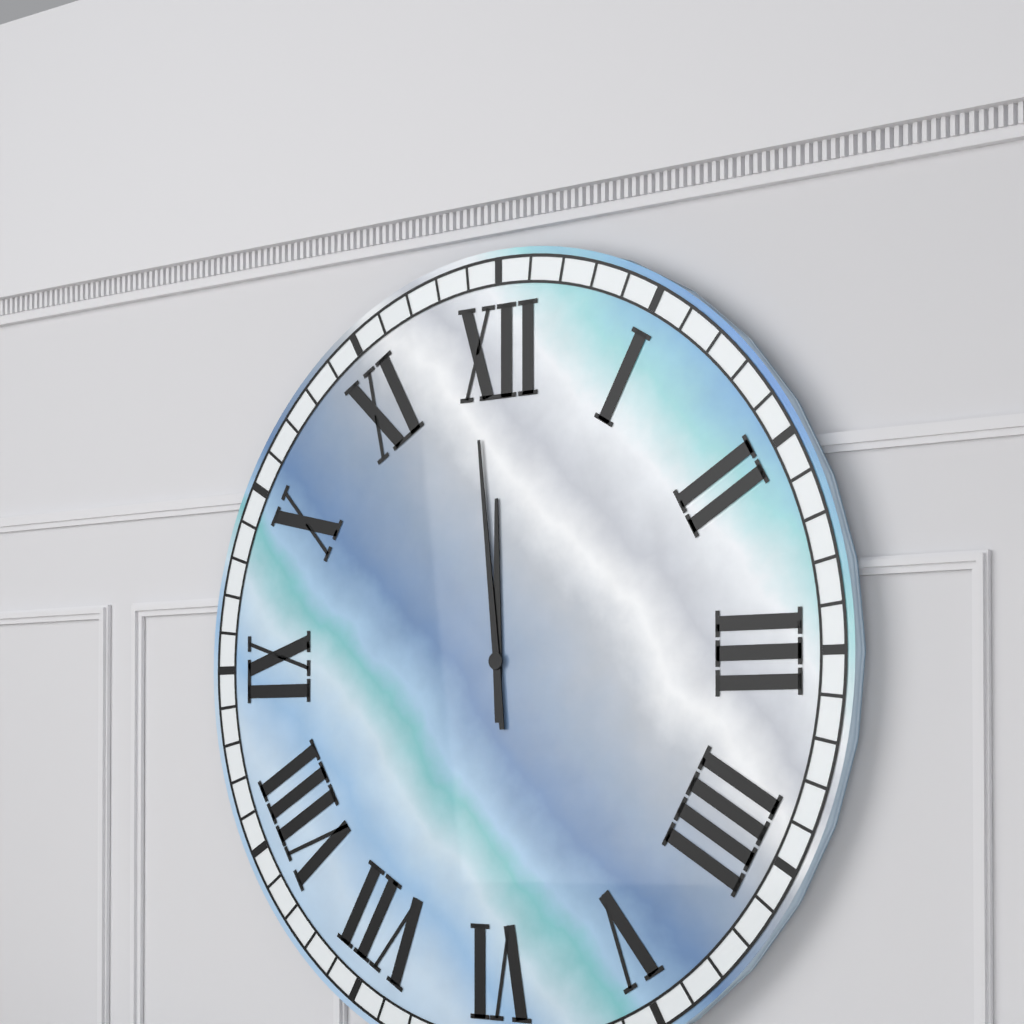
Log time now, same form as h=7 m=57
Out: h=11 m=59
